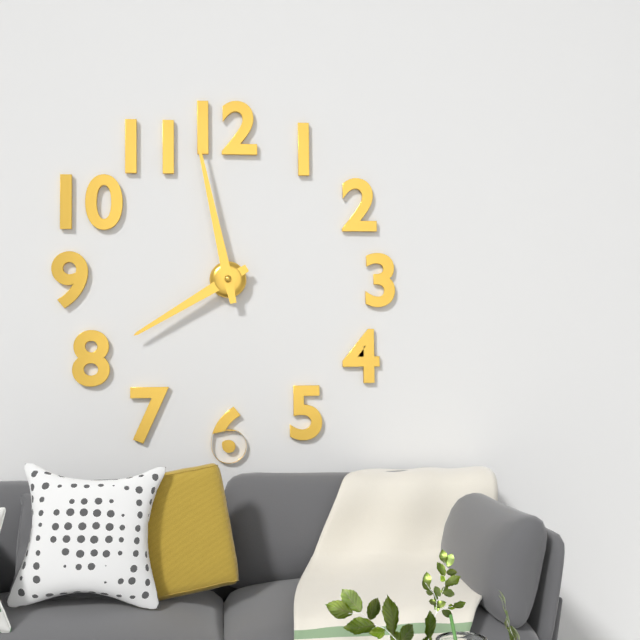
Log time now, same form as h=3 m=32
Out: h=7 m=58
